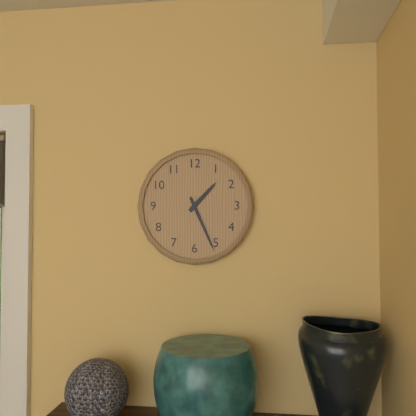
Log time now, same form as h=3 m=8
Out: h=1 m=26
